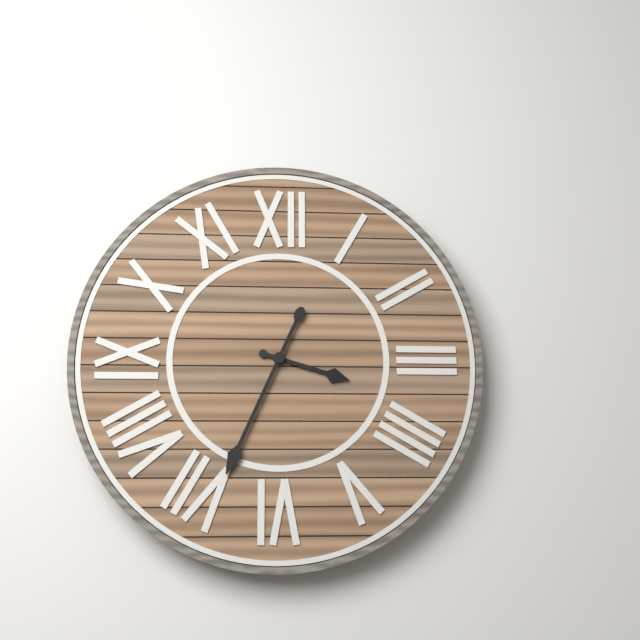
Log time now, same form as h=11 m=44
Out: h=3 m=34
